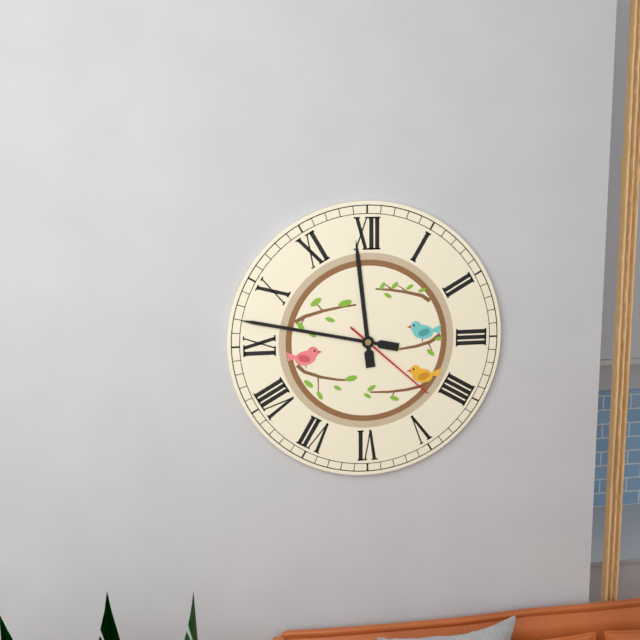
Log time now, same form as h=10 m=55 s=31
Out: h=11 m=47 s=22
